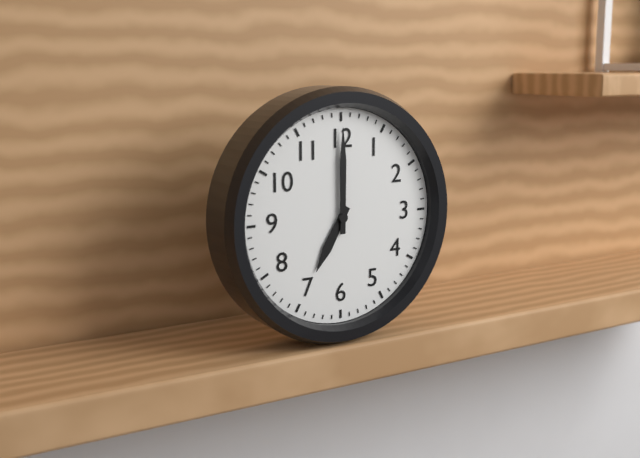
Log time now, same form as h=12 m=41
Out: h=7 m=0
